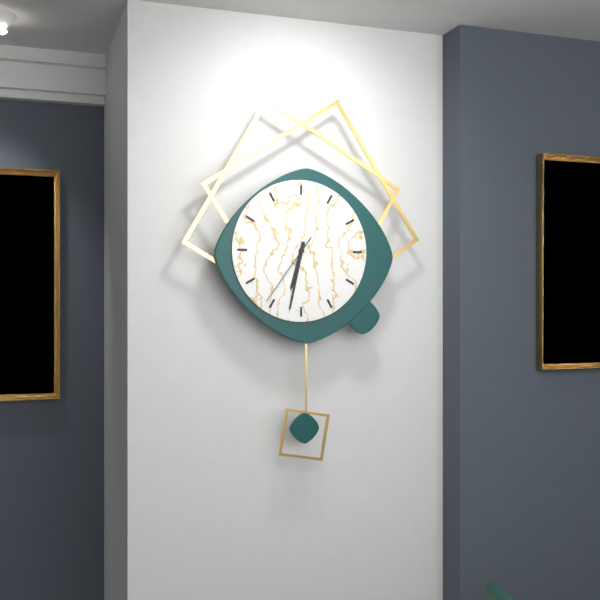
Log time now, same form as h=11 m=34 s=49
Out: h=6 m=32 s=36
